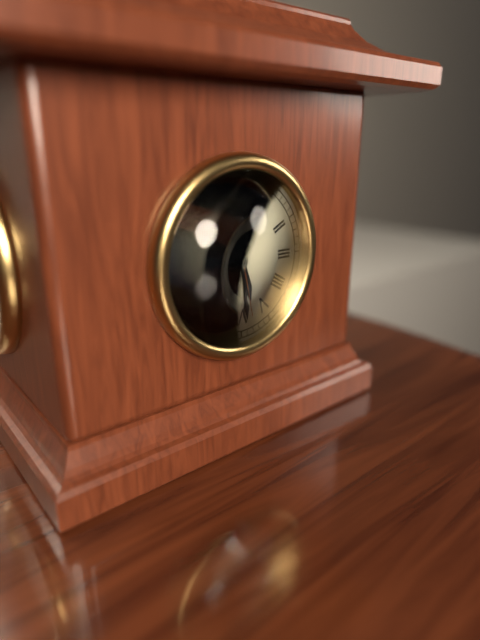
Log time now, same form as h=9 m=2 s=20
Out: h=5 m=29 s=28
